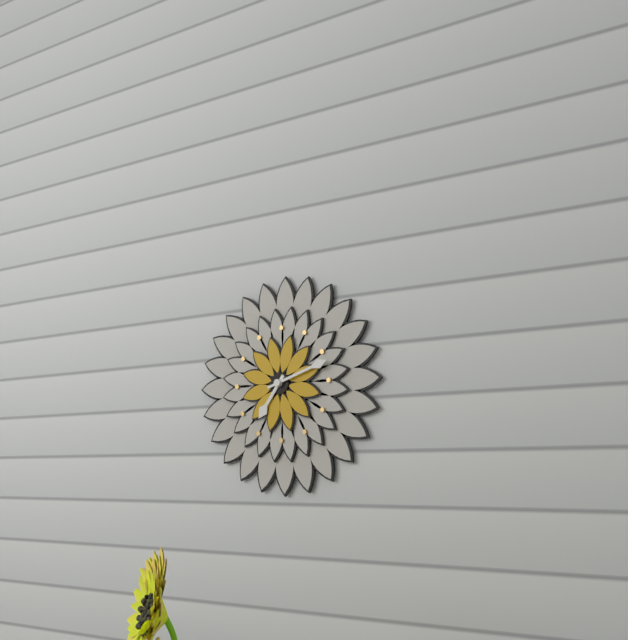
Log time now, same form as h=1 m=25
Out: h=7 m=12
